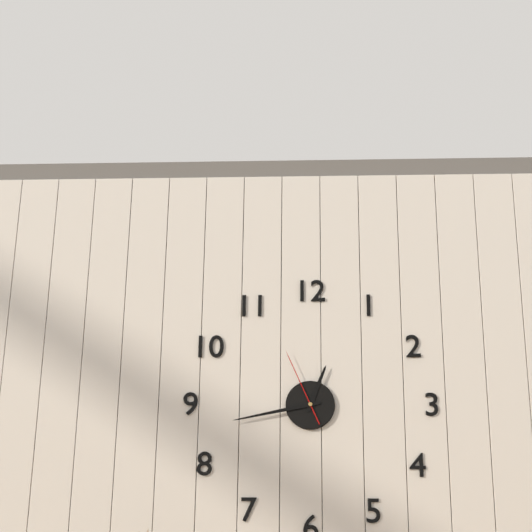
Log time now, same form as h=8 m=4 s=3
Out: h=12 m=43 s=56
